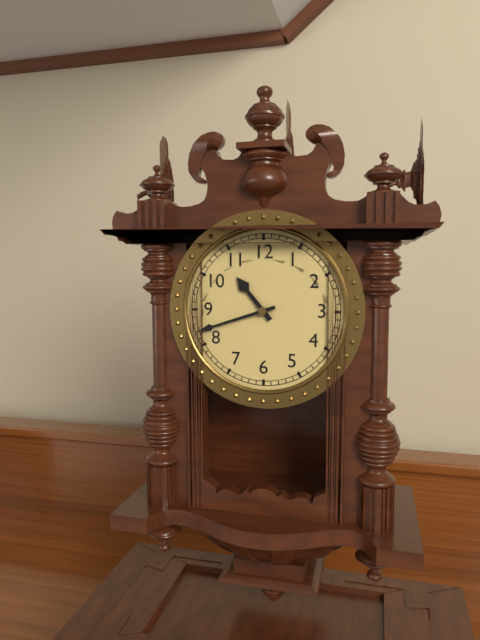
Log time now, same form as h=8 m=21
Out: h=10 m=42
